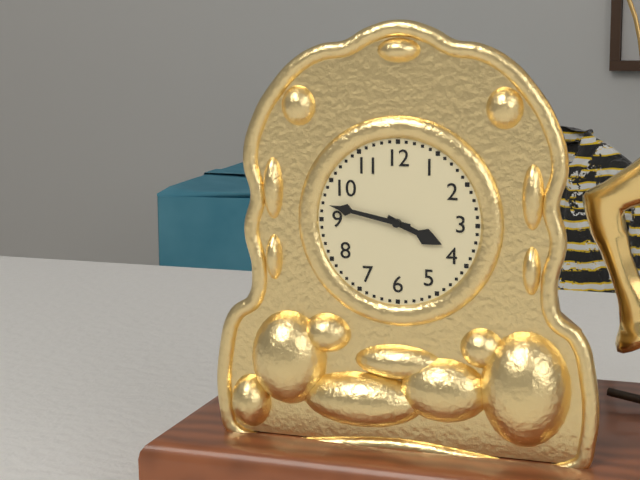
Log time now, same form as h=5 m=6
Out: h=3 m=47
